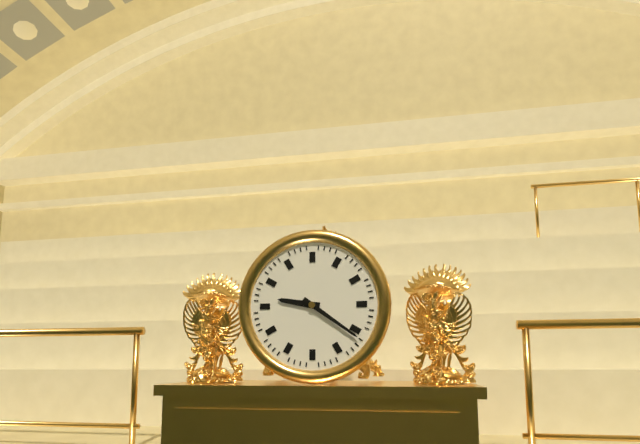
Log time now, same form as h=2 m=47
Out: h=9 m=21
